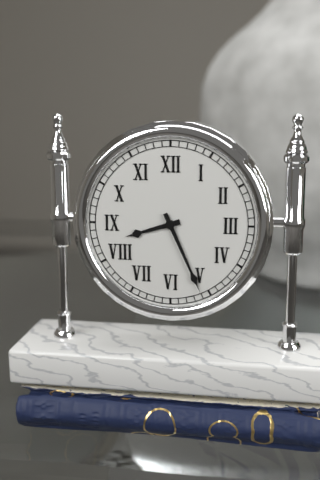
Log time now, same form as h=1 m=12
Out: h=8 m=26
